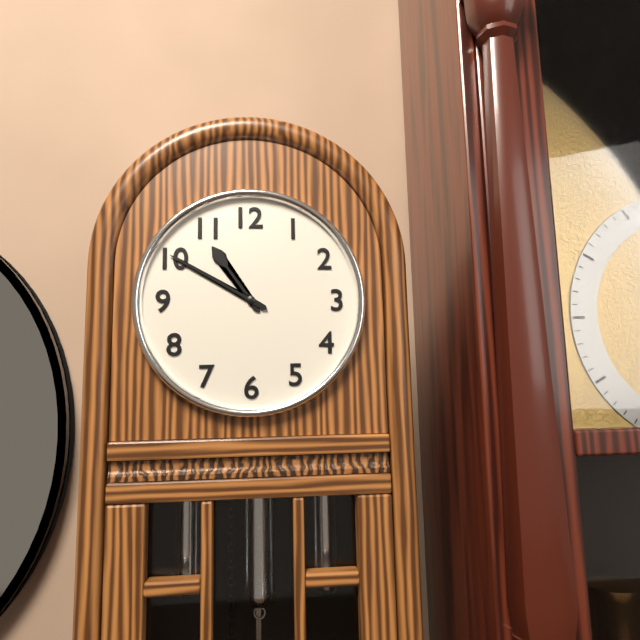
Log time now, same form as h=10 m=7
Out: h=10 m=50
